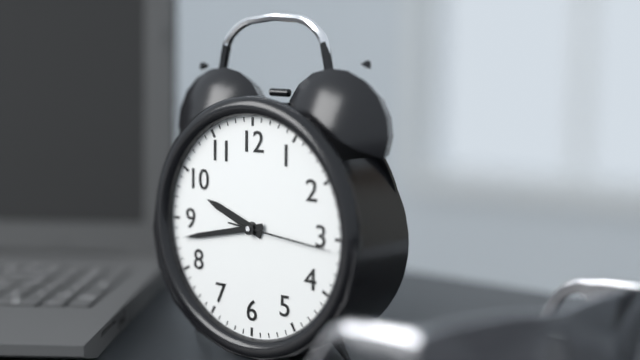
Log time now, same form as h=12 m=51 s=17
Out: h=9 m=43 s=16
